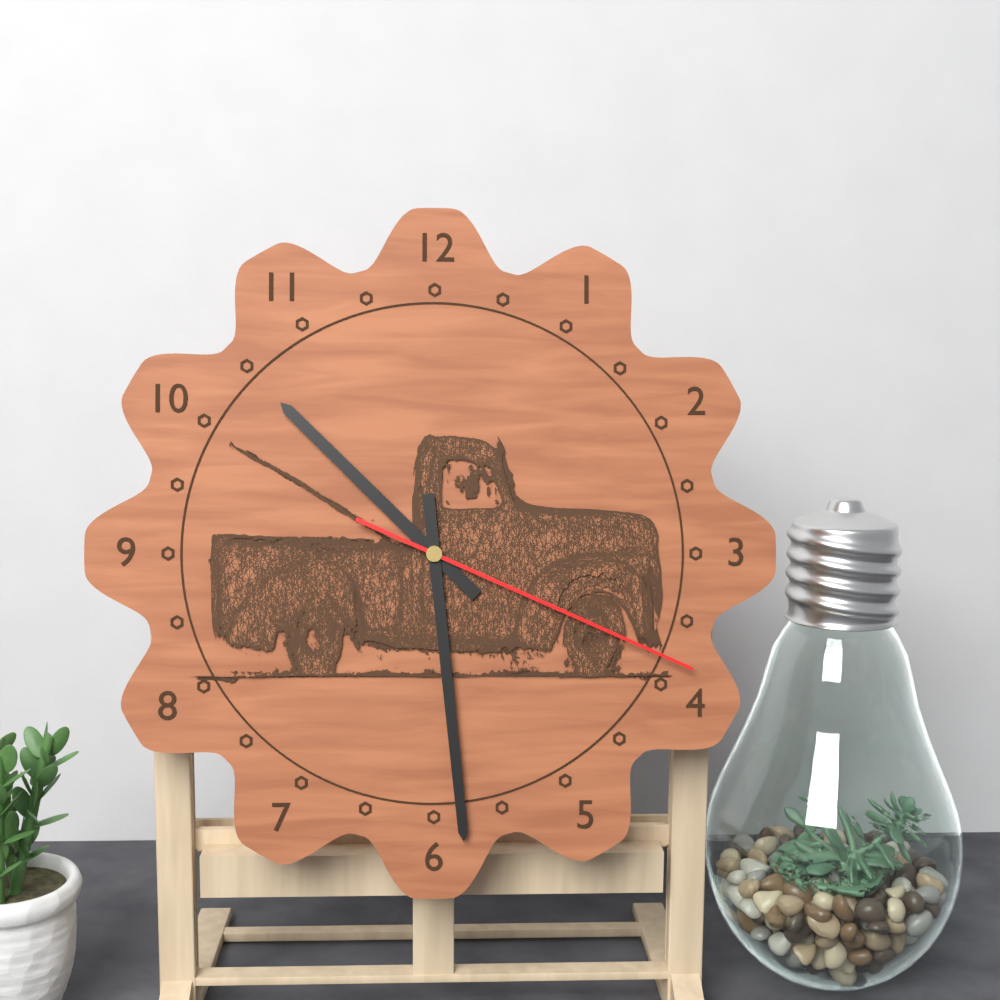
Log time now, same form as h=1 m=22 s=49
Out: h=10 m=29 s=19
